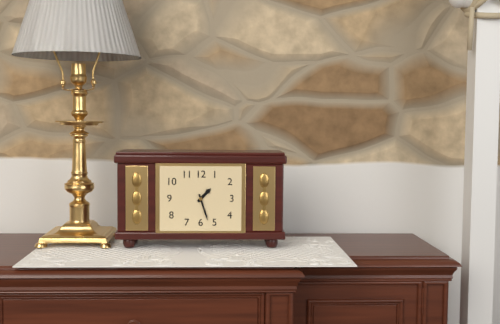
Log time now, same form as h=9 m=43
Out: h=1 m=27
